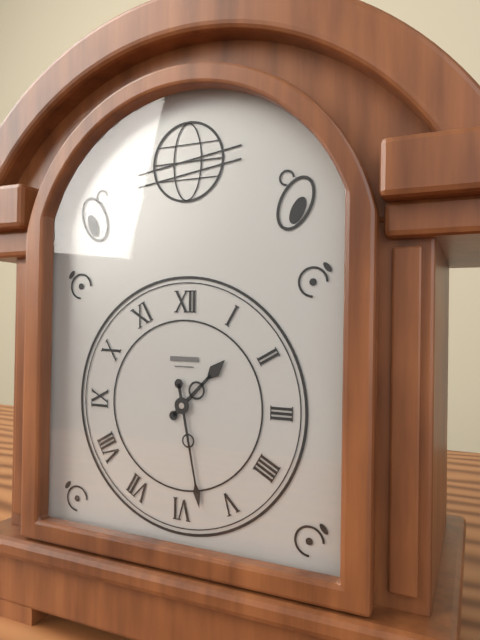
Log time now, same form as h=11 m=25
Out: h=1 m=28
